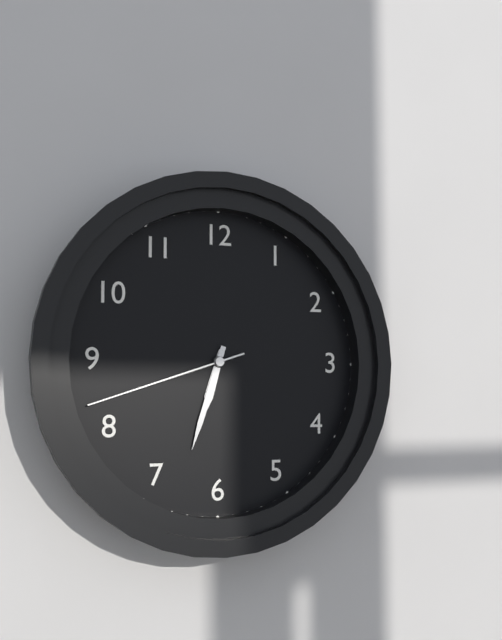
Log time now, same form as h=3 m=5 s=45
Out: h=6 m=33 s=42
